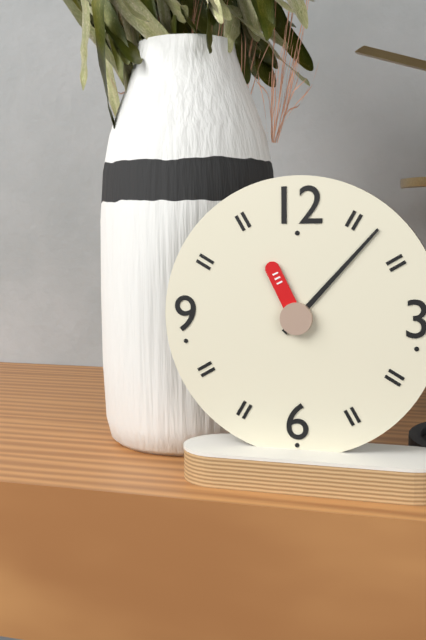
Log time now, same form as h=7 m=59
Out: h=11 m=7
